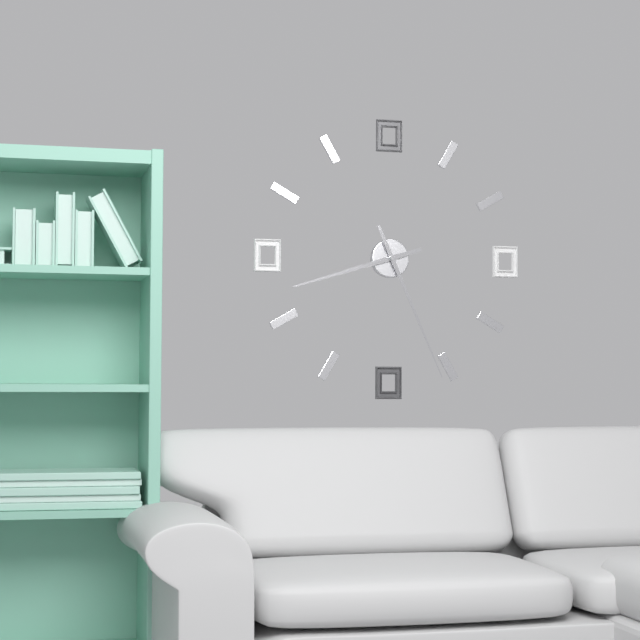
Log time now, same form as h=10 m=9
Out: h=8 m=26
